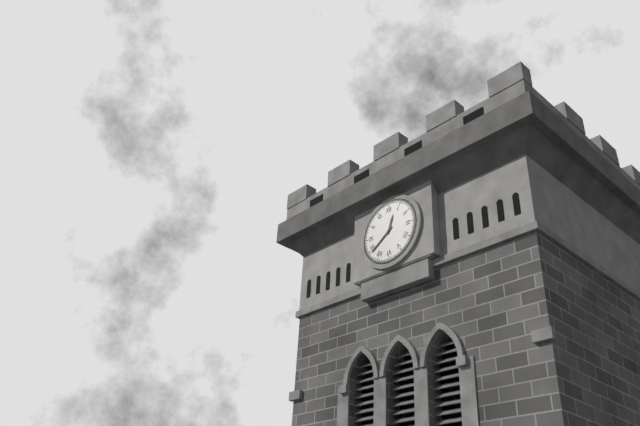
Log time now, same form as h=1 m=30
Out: h=12 m=39
